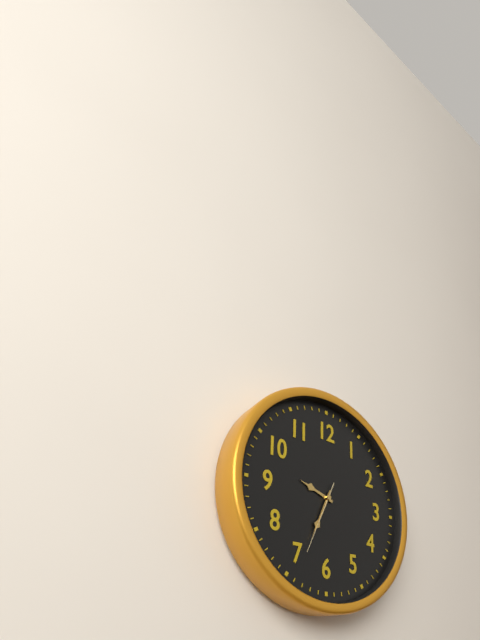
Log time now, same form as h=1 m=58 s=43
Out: h=9 m=34 s=34
